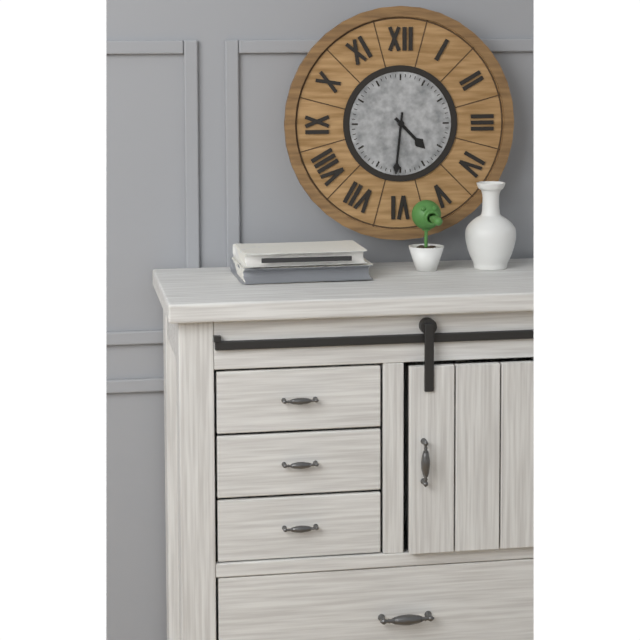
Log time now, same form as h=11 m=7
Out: h=4 m=31
